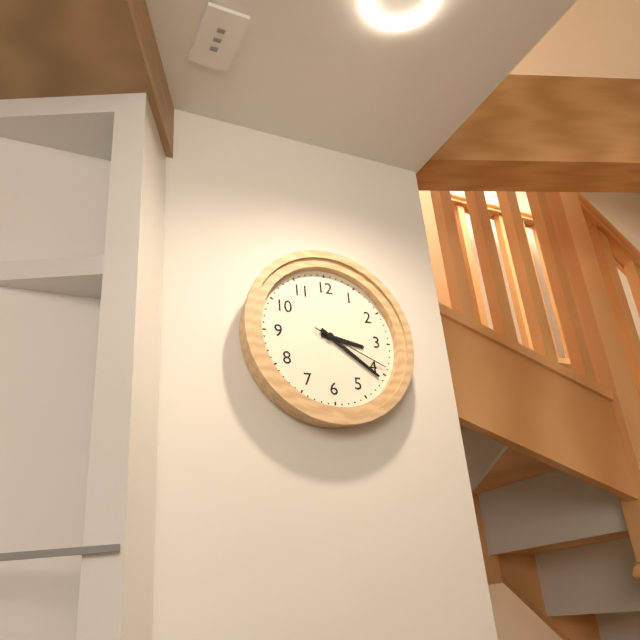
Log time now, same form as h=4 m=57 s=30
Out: h=3 m=21 s=19
